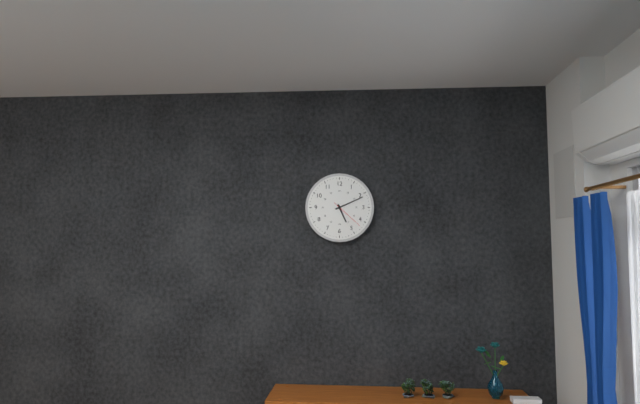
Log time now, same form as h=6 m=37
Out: h=5 m=11
